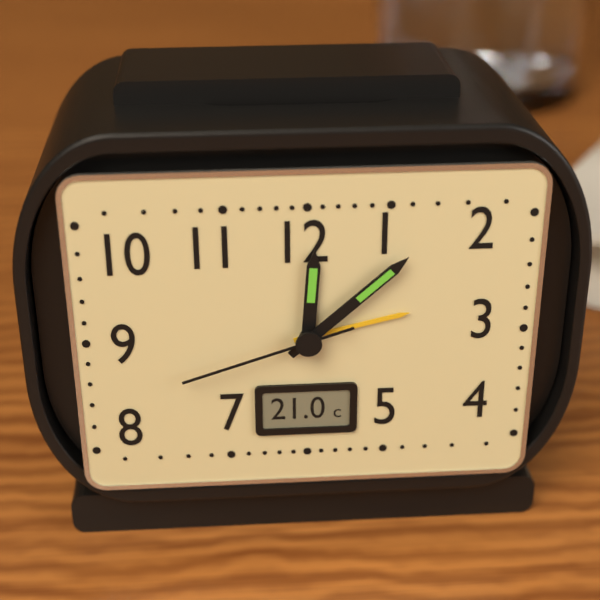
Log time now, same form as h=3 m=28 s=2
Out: h=12 m=8 s=42
